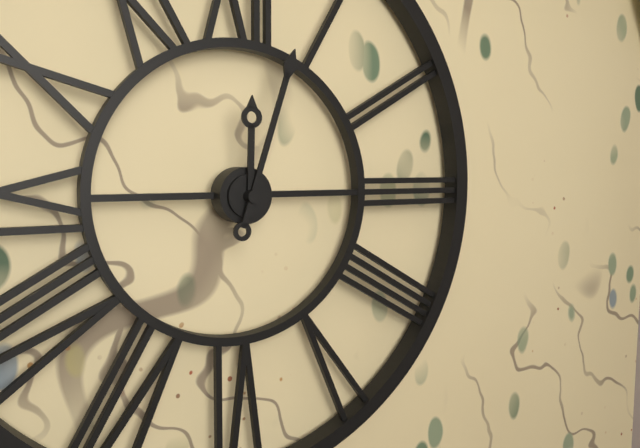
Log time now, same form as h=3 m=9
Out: h=12 m=3
